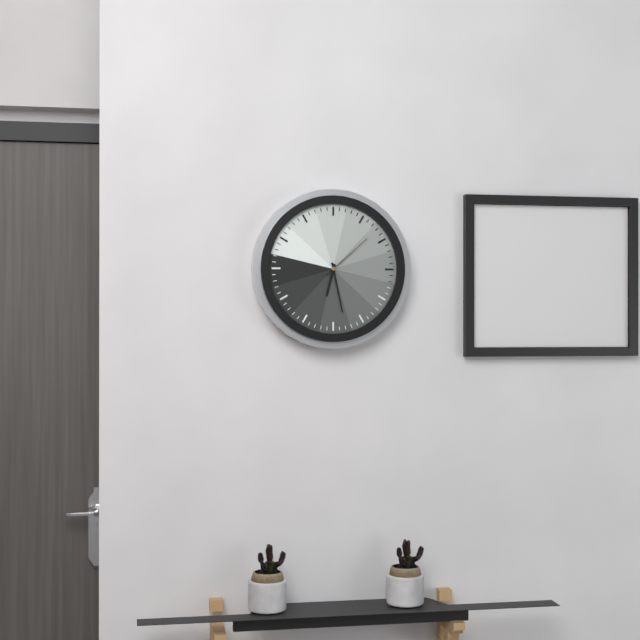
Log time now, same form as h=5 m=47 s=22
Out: h=6 m=28 s=8
